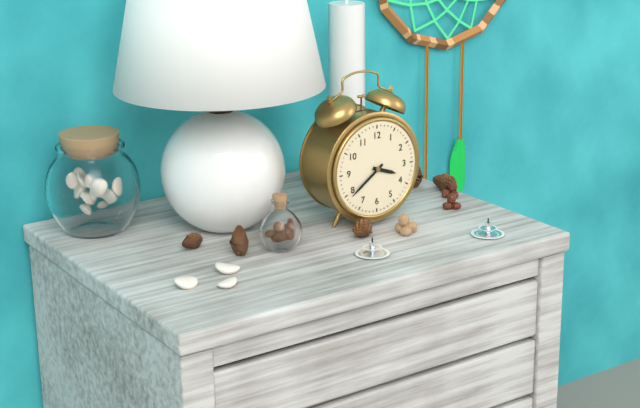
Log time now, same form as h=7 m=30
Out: h=3 m=39
